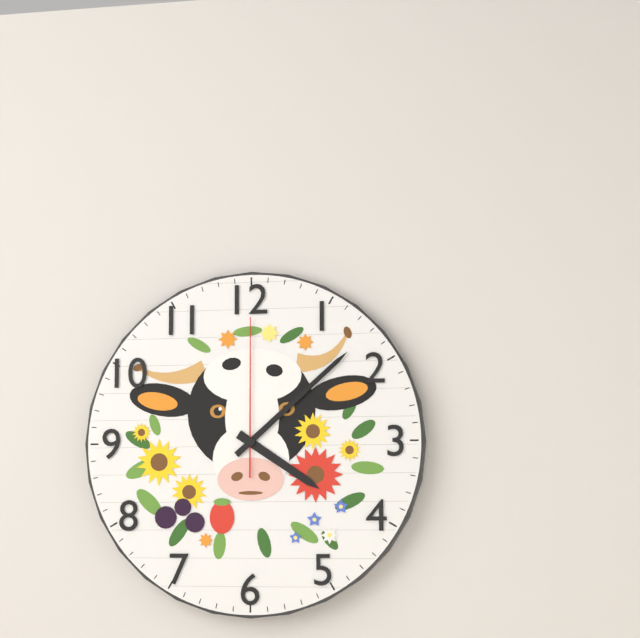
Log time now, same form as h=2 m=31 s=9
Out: h=4 m=8 s=0
